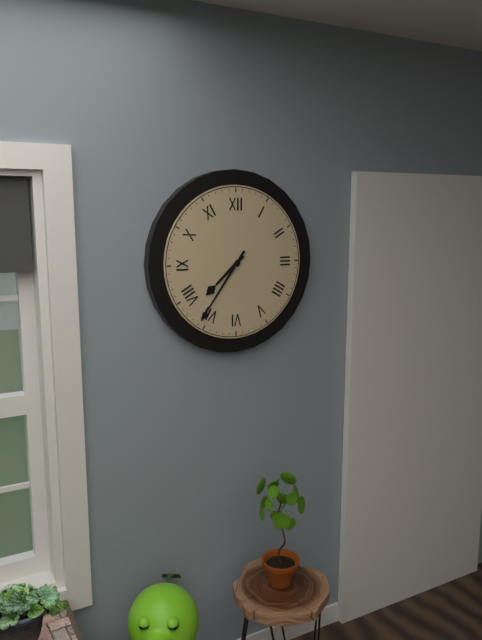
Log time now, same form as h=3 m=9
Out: h=7 m=36
